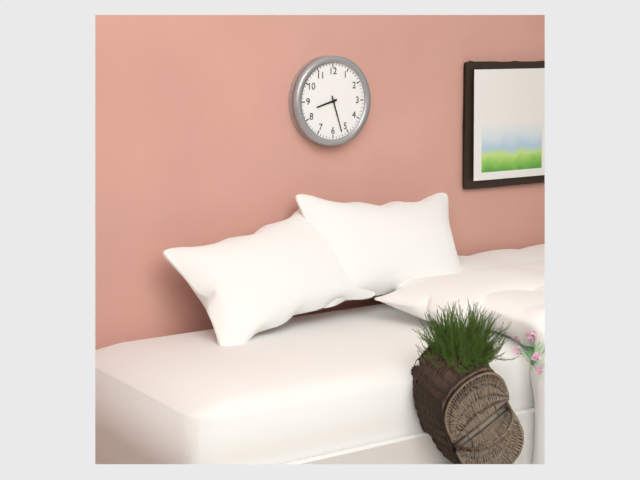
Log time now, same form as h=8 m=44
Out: h=8 m=27
